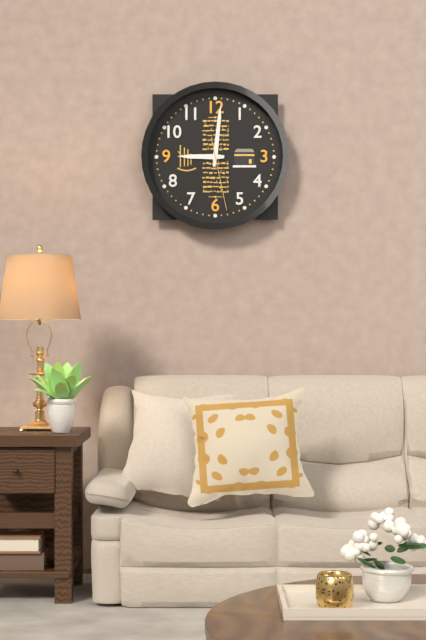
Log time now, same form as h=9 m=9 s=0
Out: h=9 m=1 s=28
